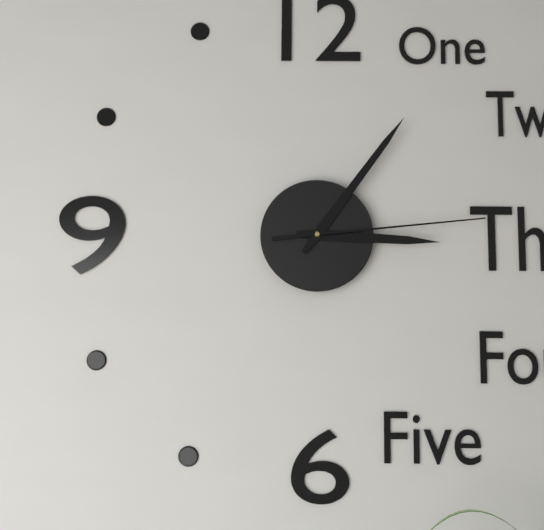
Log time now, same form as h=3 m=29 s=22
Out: h=3 m=6 s=14
